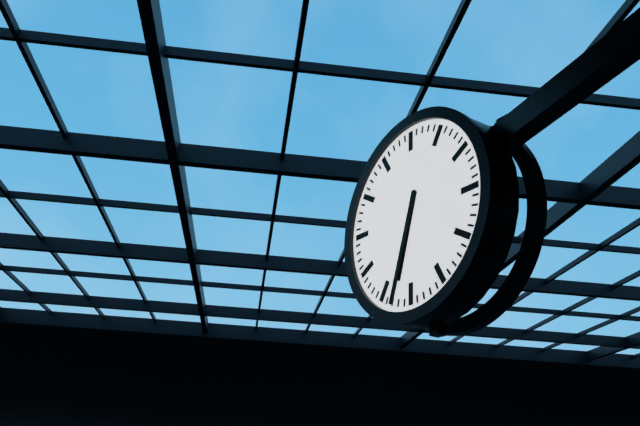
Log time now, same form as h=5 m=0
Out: h=6 m=33
